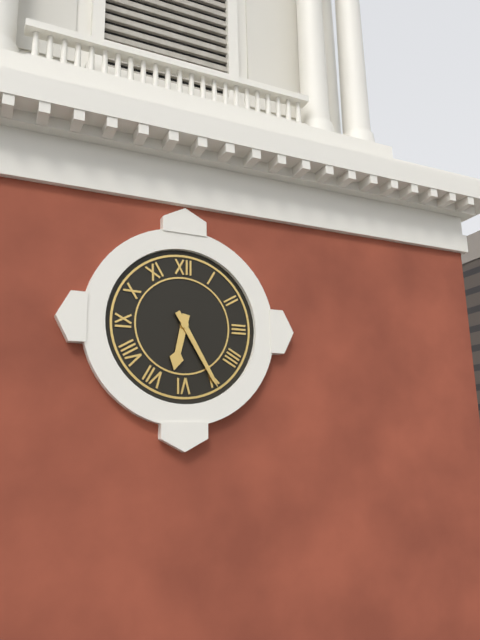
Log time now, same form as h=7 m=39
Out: h=6 m=25
